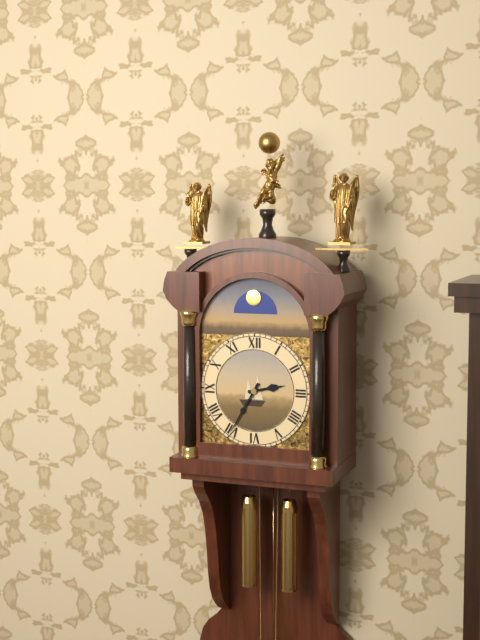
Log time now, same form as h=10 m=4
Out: h=2 m=35
